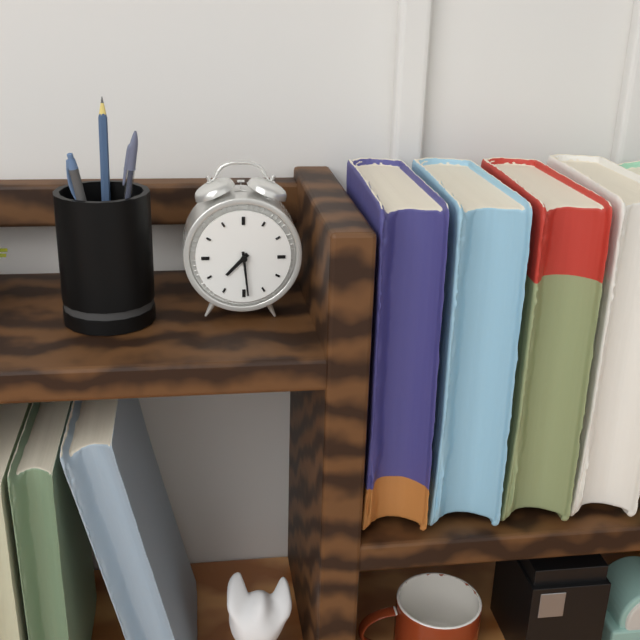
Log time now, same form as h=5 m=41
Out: h=7 m=29
